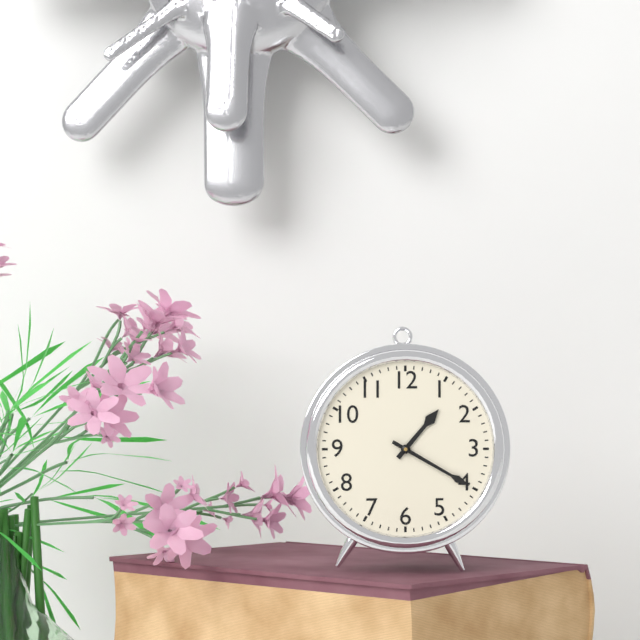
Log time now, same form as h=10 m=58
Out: h=1 m=20
